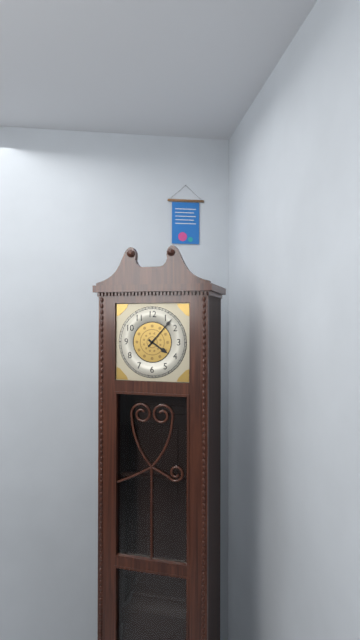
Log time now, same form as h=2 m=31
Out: h=4 m=7
